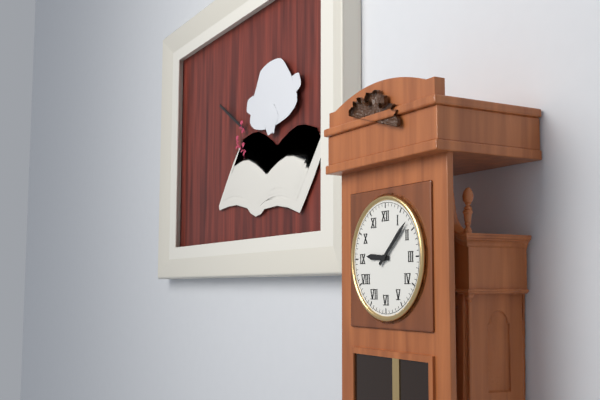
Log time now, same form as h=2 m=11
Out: h=9 m=8
